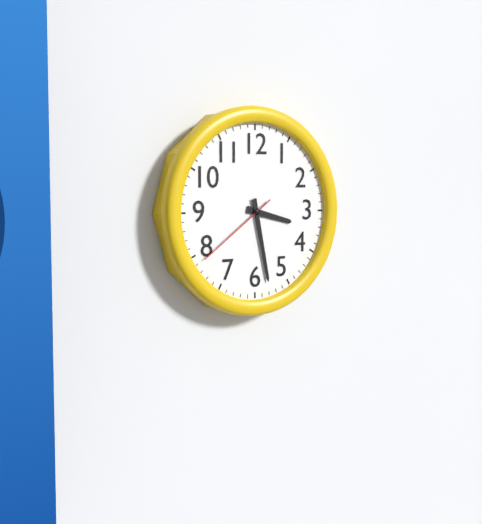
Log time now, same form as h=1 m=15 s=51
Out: h=3 m=28 s=39
